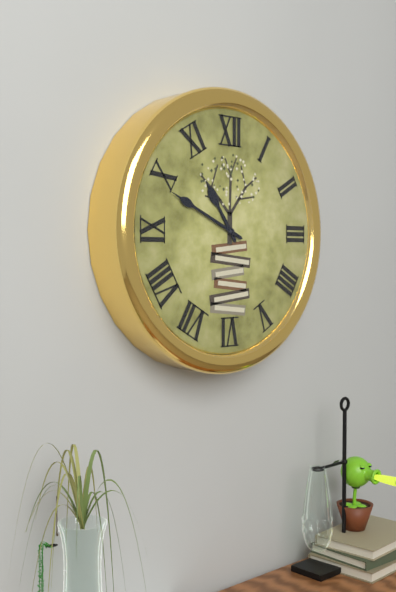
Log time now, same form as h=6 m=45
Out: h=10 m=49
